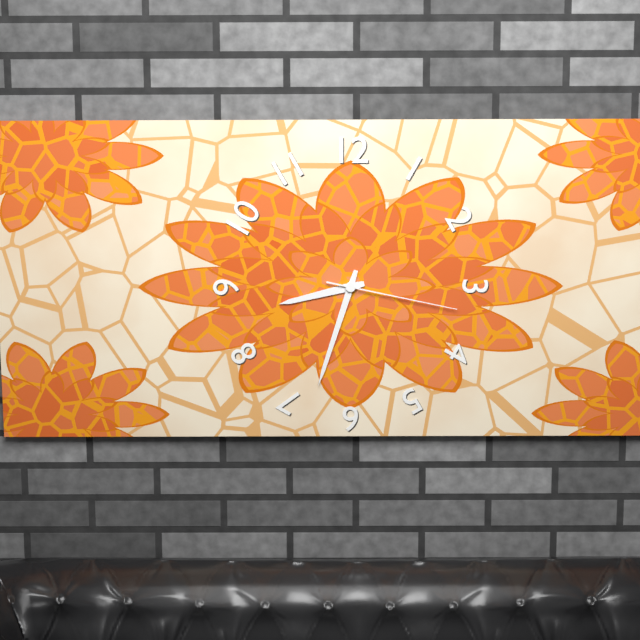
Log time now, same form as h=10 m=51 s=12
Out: h=8 m=33 s=17
